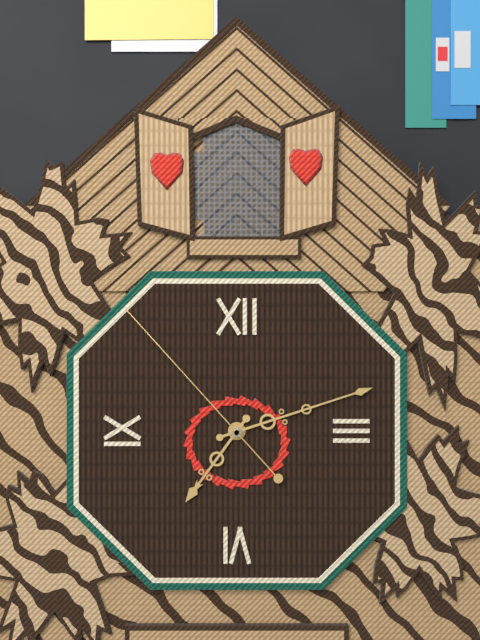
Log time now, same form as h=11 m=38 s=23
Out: h=7 m=12 s=53
